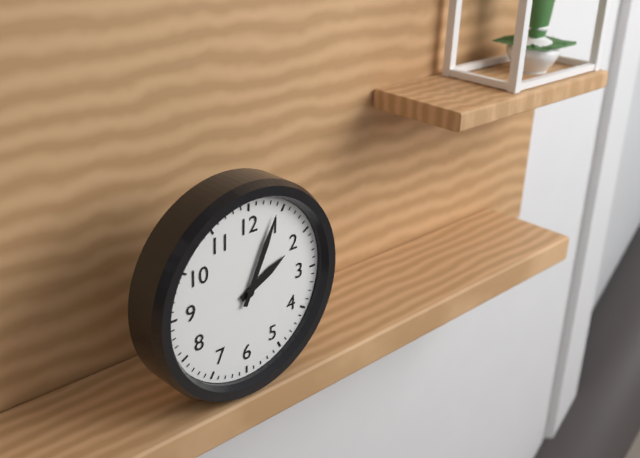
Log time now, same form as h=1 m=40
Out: h=2 m=4
